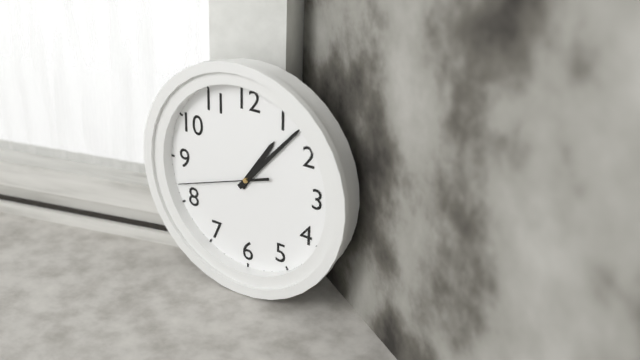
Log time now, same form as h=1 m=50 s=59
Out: h=1 m=7 s=42
